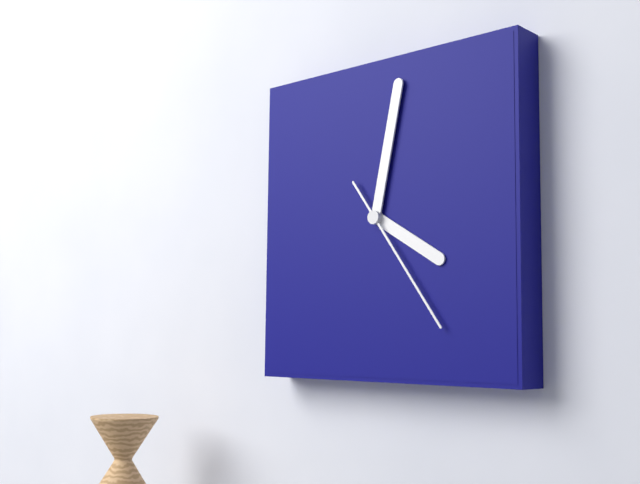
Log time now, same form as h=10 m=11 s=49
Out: h=4 m=2 s=24
